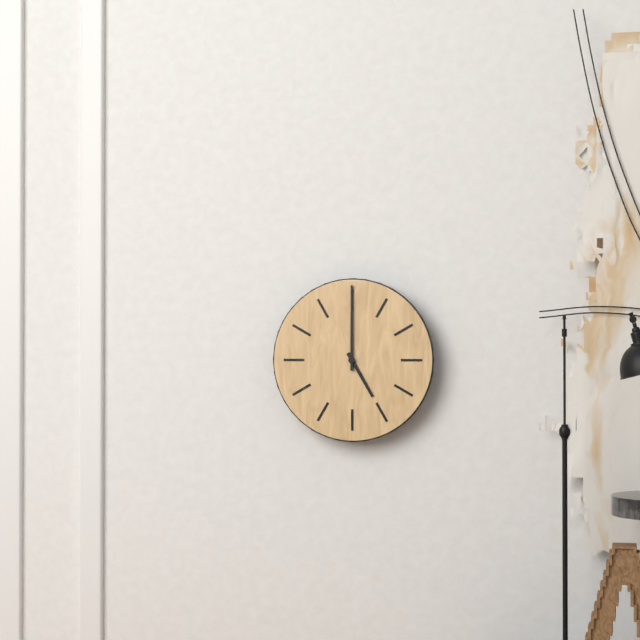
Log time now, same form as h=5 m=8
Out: h=5 m=0
